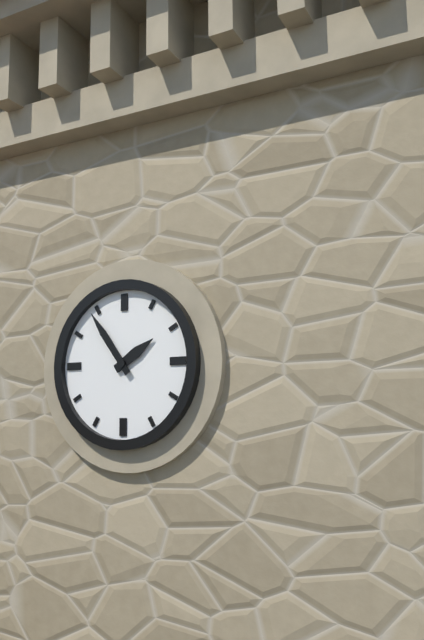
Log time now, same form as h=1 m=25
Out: h=1 m=54
